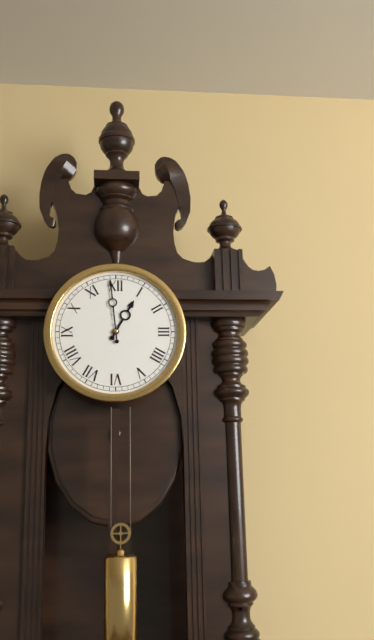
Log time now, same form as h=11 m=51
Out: h=12 m=59
